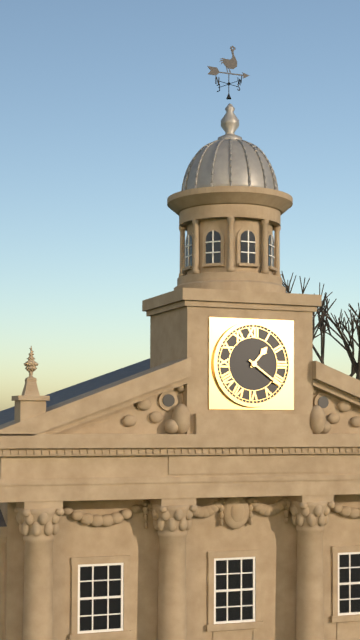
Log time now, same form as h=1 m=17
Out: h=1 m=21
